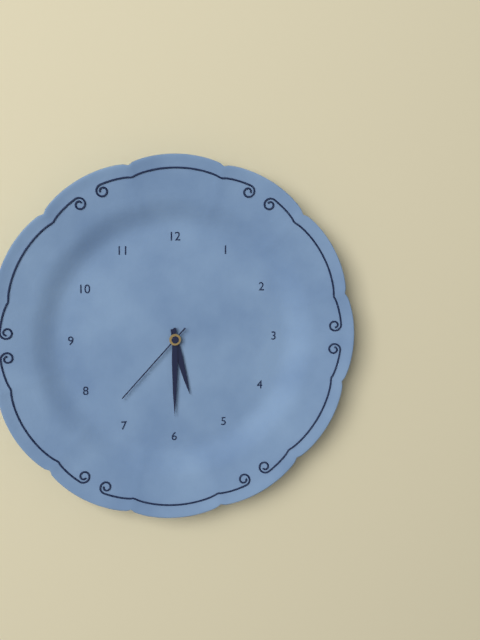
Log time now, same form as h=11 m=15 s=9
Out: h=5 m=30 s=37
